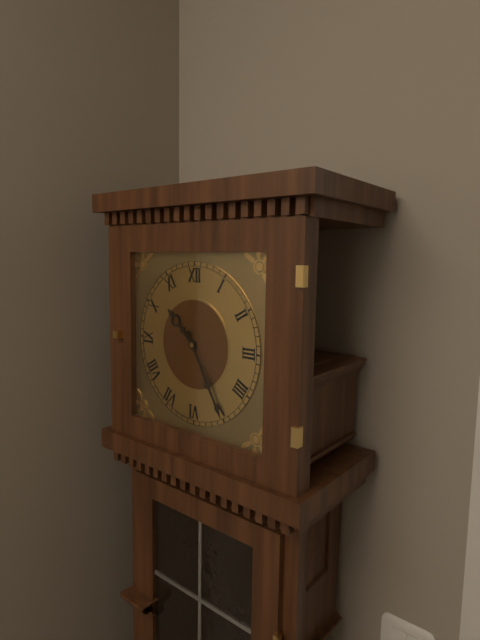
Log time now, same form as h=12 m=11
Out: h=10 m=25
